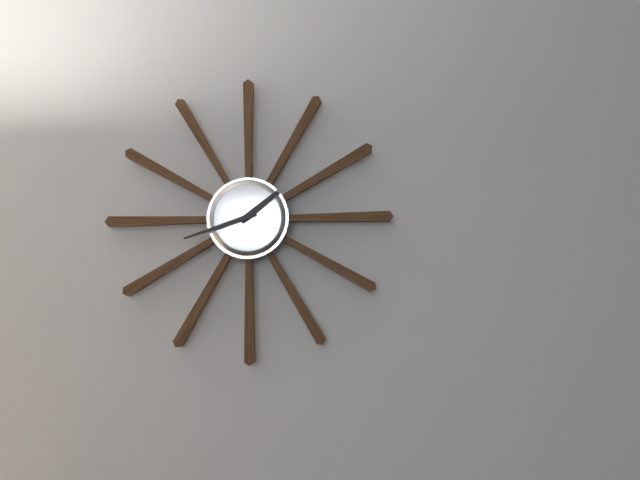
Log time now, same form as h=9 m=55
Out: h=1 m=42
